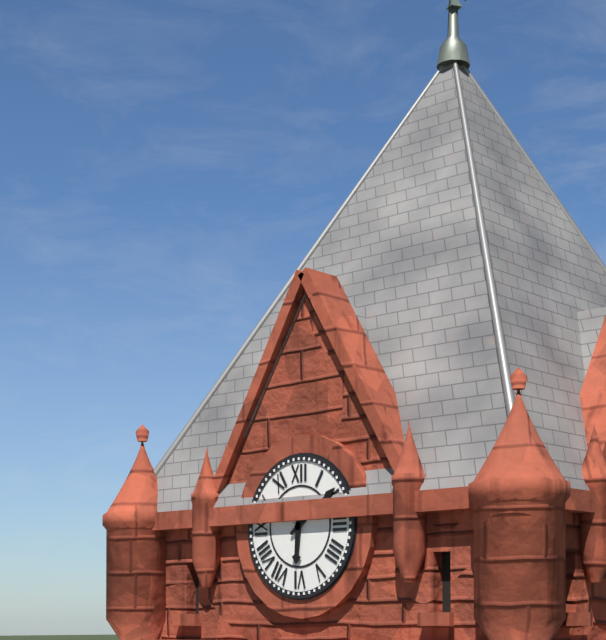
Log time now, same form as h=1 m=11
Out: h=6 m=9
